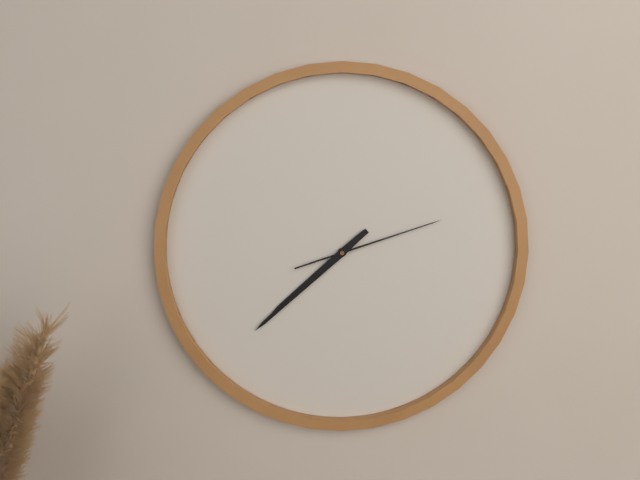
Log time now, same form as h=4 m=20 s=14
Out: h=7 m=38 s=12
